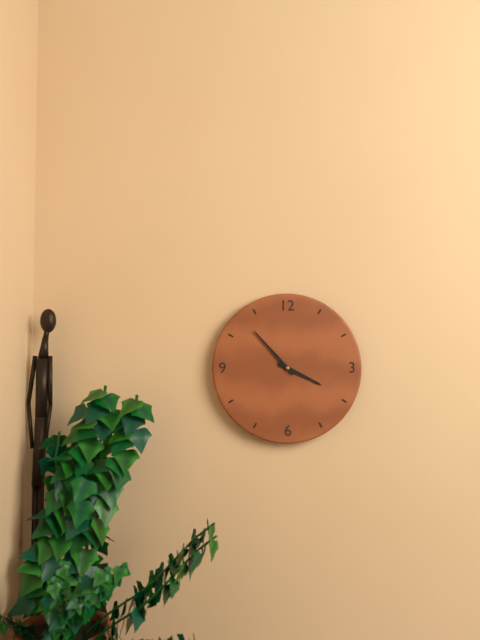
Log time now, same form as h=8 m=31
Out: h=3 m=53
